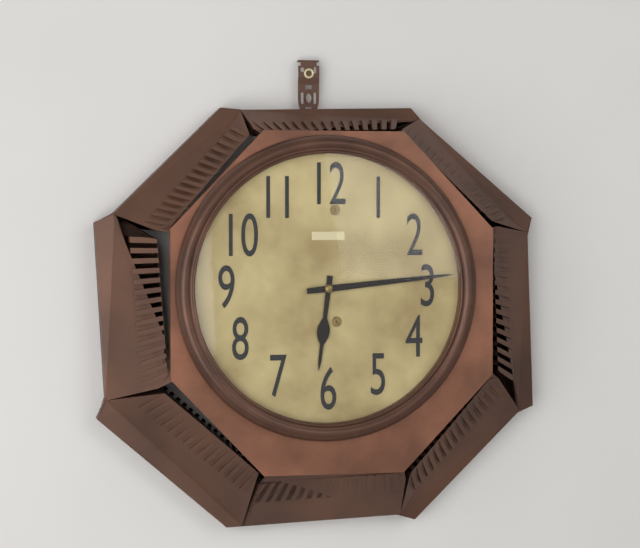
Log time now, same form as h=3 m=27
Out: h=6 m=14
